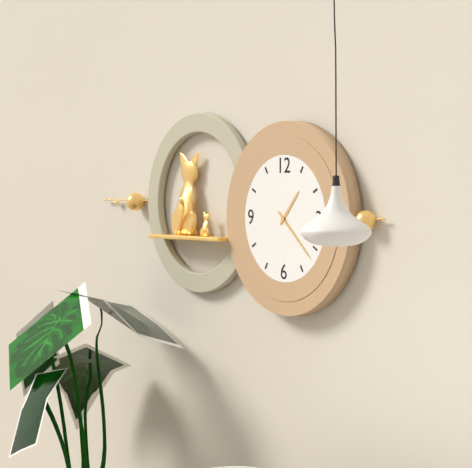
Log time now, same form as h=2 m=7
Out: h=1 m=22
